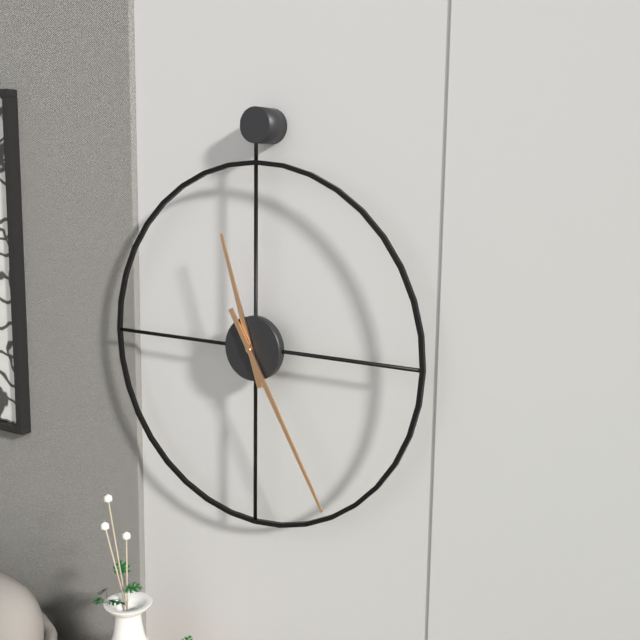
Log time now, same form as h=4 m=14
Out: h=11 m=25
